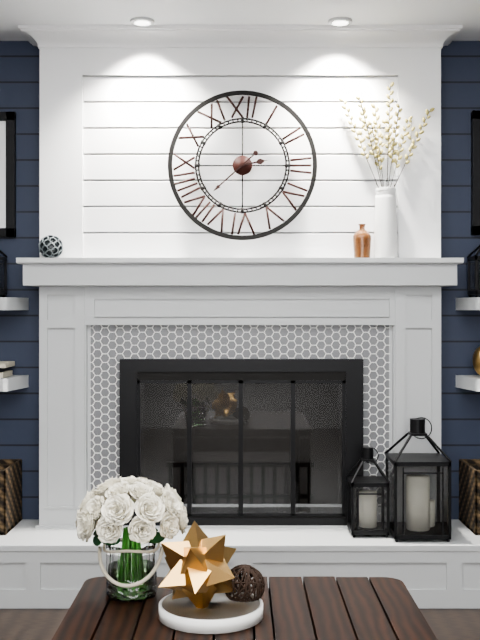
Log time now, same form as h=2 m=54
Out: h=2 m=38
